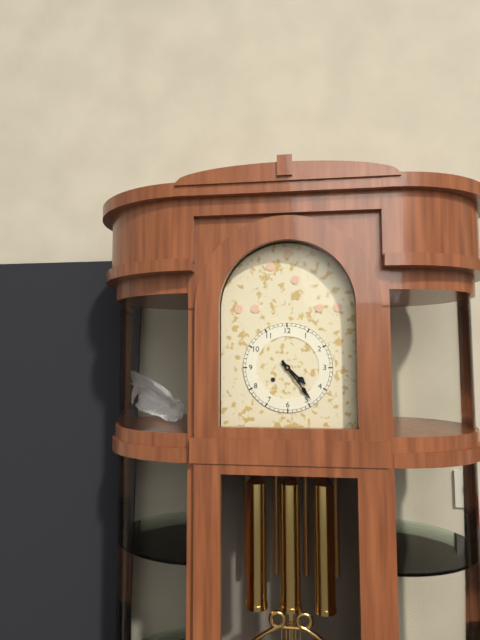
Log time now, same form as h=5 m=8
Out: h=4 m=24
